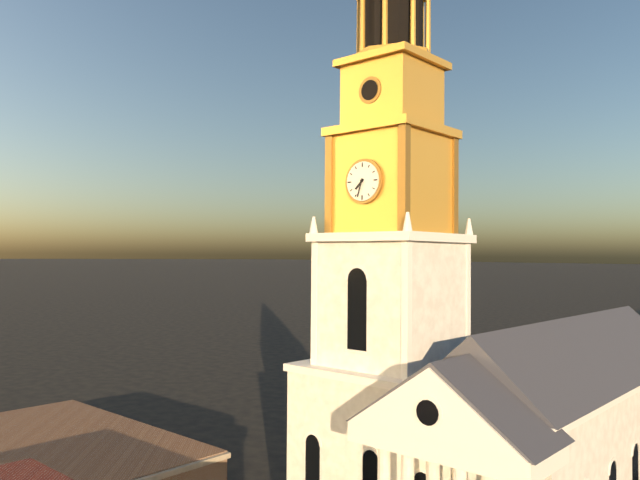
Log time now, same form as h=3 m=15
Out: h=7 m=33
